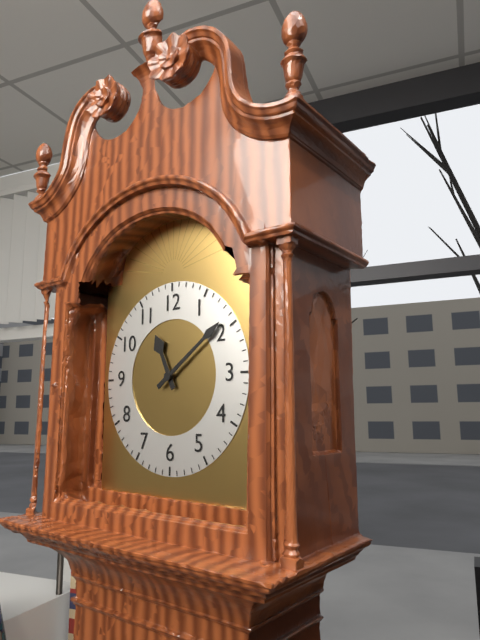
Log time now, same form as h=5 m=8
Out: h=11 m=9
